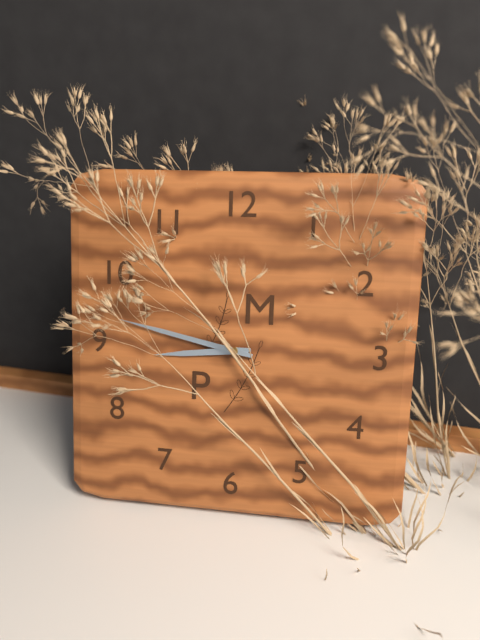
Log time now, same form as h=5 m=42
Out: h=8 m=47
